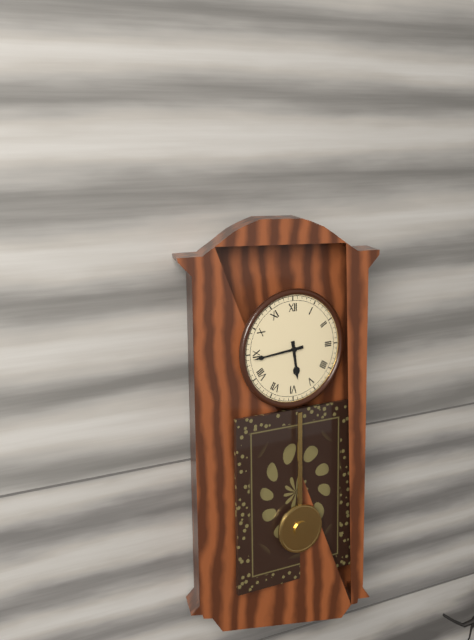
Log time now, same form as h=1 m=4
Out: h=5 m=44
